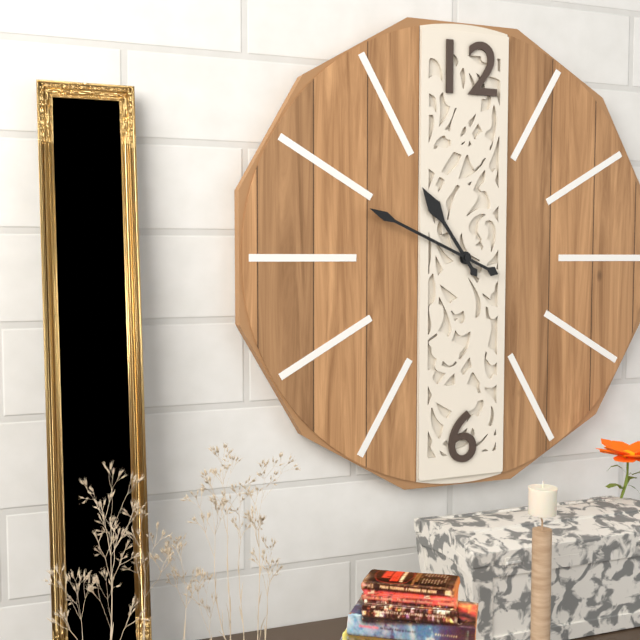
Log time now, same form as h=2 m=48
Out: h=10 m=49
